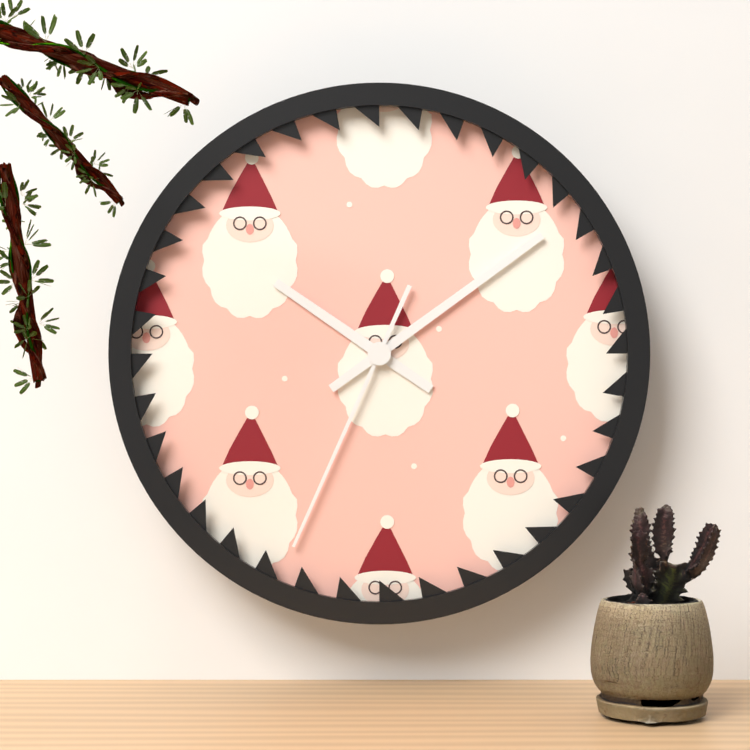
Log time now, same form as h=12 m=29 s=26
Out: h=10 m=9 s=34
